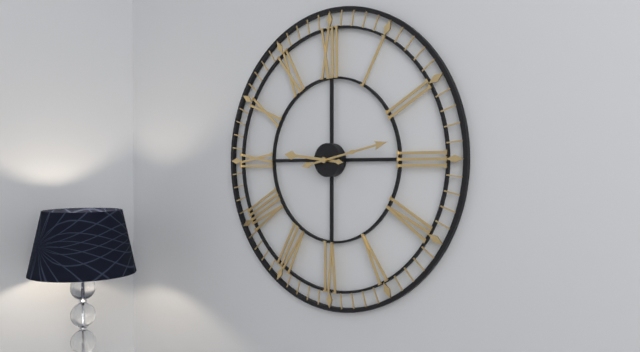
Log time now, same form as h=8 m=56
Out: h=9 m=13
